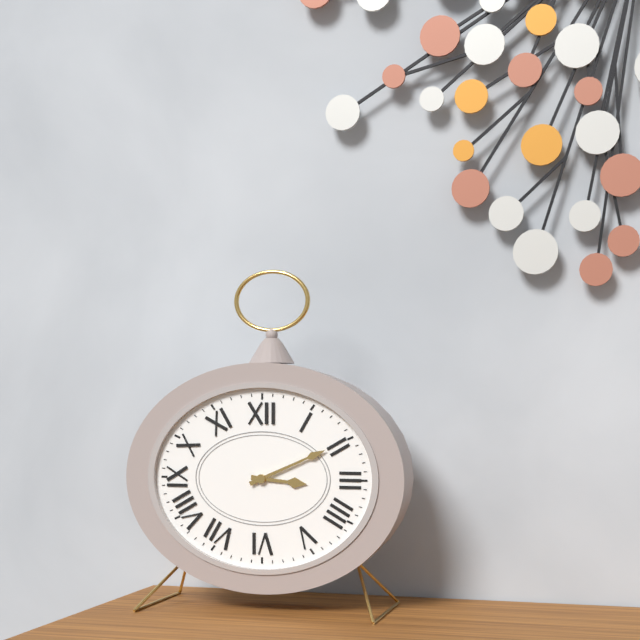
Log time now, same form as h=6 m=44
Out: h=3 m=11
